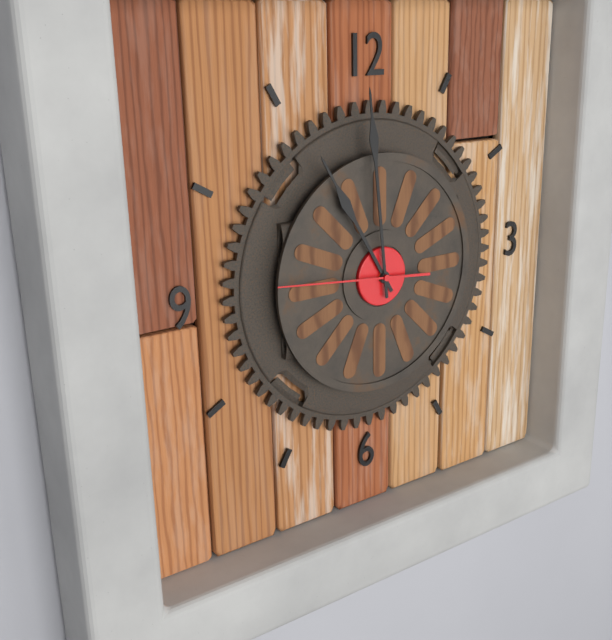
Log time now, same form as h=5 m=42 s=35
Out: h=10 m=59 s=46
